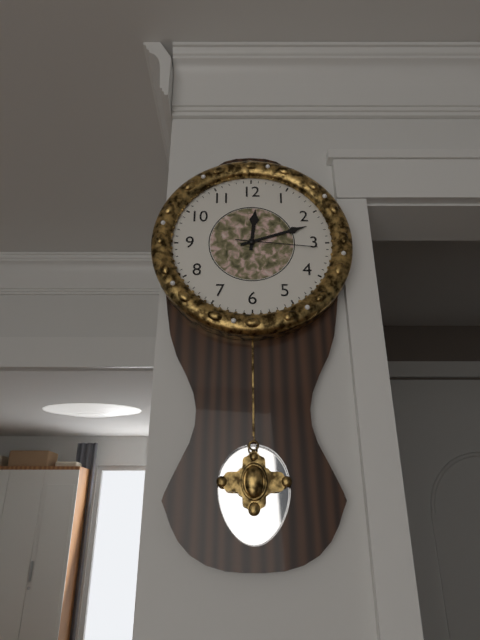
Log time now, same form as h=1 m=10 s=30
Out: h=12 m=12 s=16
